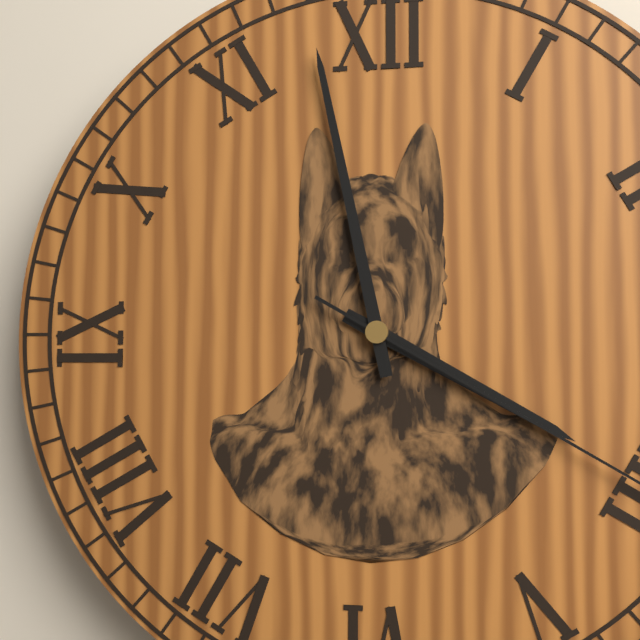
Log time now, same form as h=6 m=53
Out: h=3 m=58
